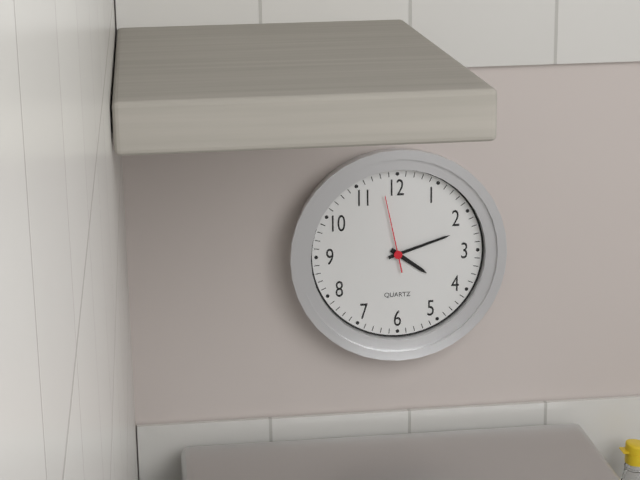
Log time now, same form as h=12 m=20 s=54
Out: h=4 m=12 s=58
